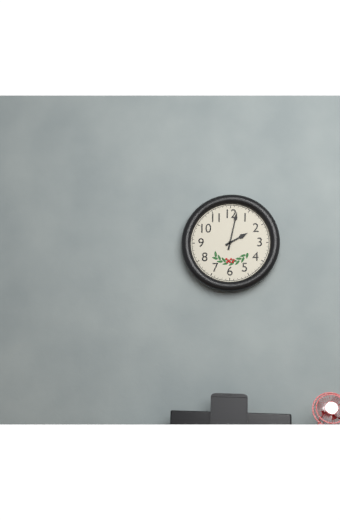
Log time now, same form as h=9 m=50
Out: h=2 m=2
